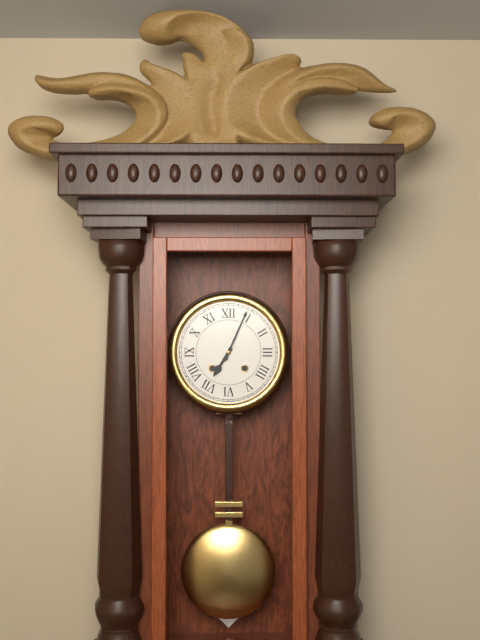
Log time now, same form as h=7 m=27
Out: h=7 m=4
